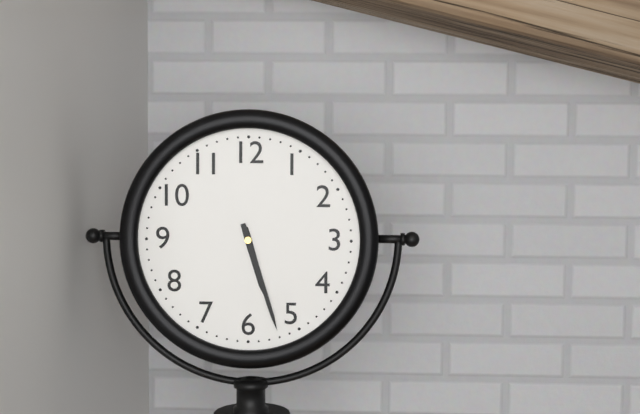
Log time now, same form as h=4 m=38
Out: h=5 m=27
